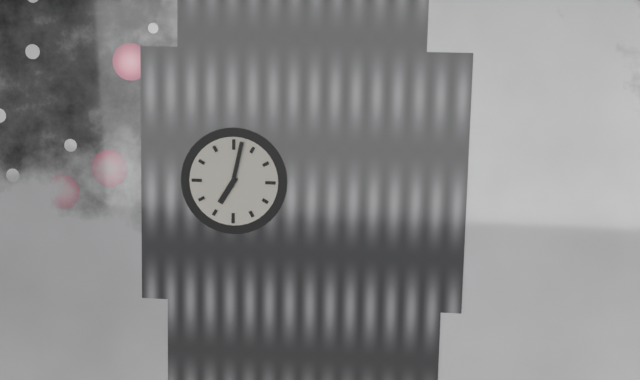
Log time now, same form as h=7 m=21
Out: h=7 m=2
